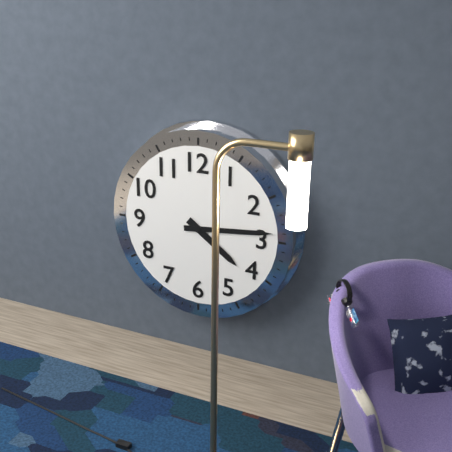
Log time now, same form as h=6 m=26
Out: h=4 m=14
